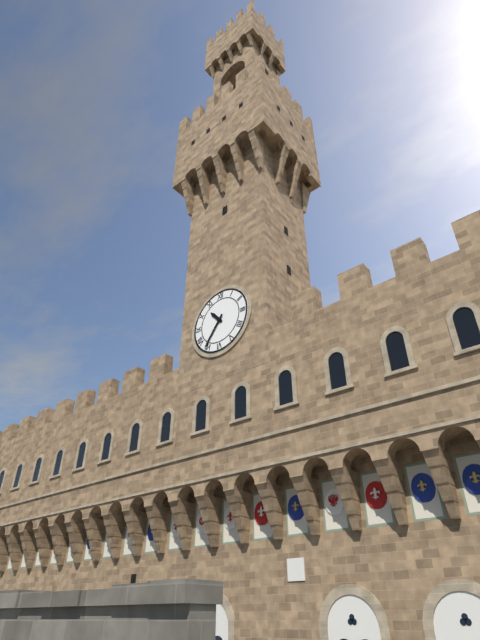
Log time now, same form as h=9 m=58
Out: h=10 m=36
